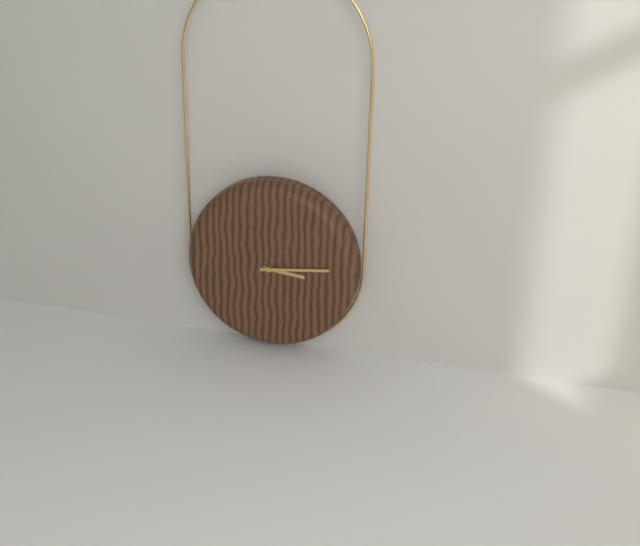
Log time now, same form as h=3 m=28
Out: h=3 m=14
